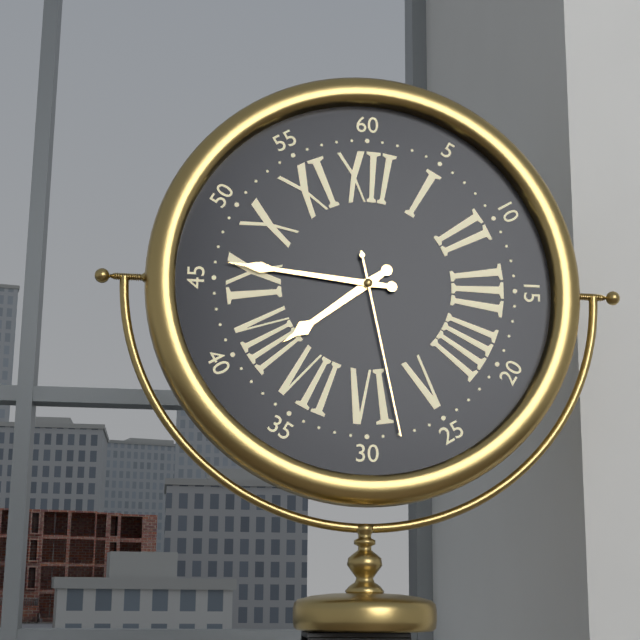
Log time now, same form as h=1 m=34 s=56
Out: h=7 m=46 s=28
